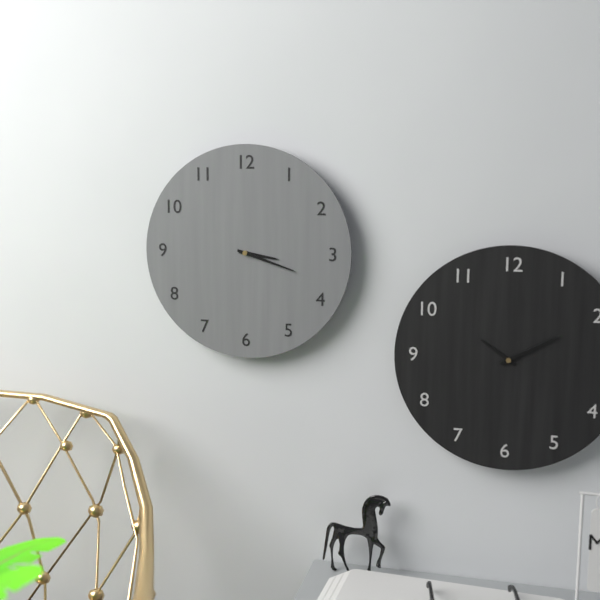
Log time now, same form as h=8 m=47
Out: h=3 m=18
